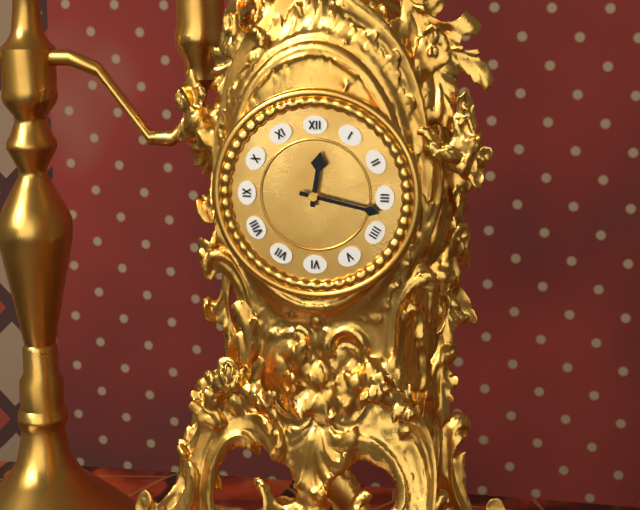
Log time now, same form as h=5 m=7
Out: h=12 m=17
